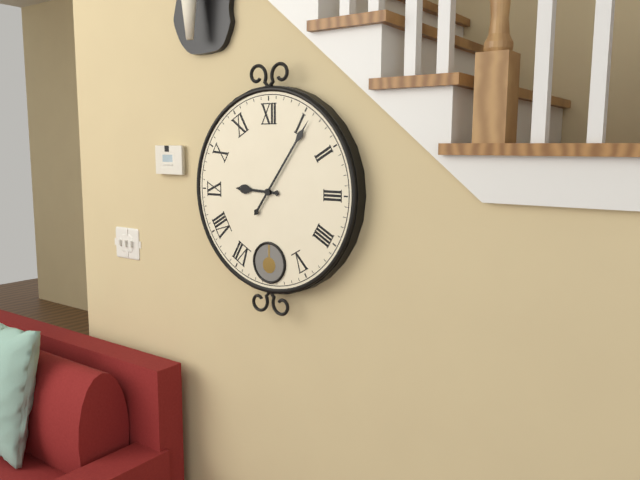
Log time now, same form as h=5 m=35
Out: h=9 m=6
